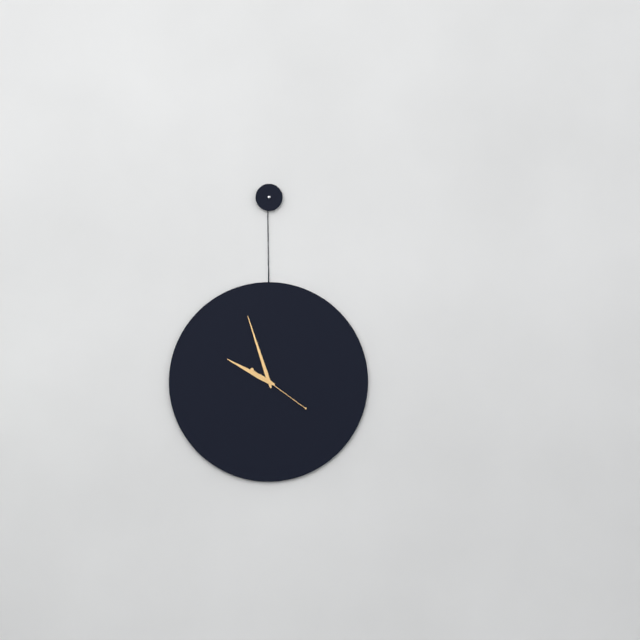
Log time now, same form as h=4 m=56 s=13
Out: h=9 m=57 s=21
